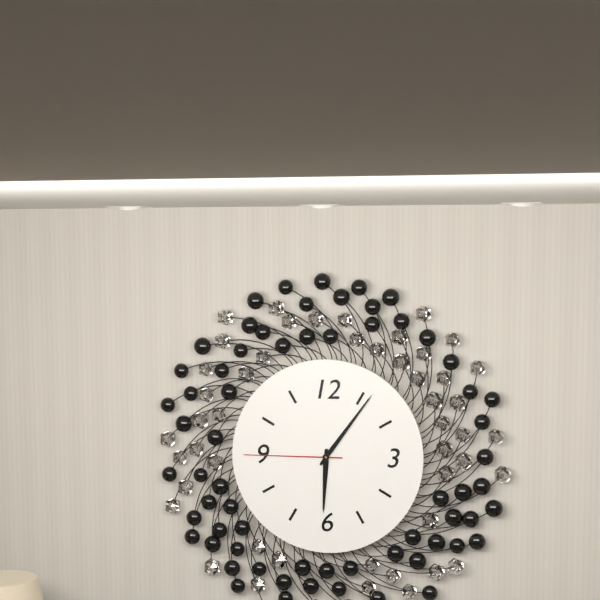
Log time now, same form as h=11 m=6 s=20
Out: h=6 m=6 s=45
